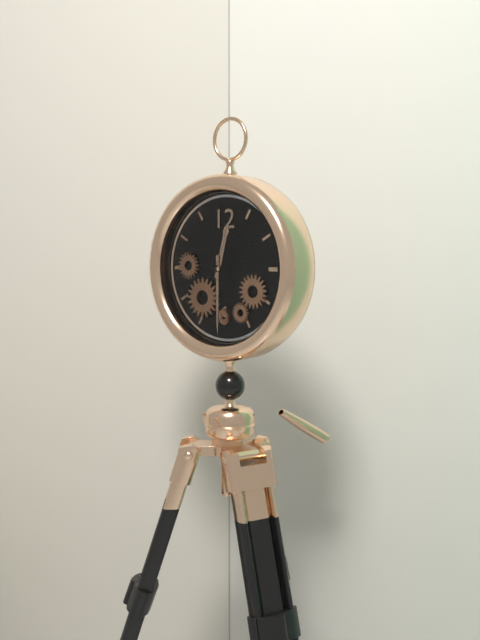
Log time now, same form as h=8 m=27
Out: h=12 m=30
